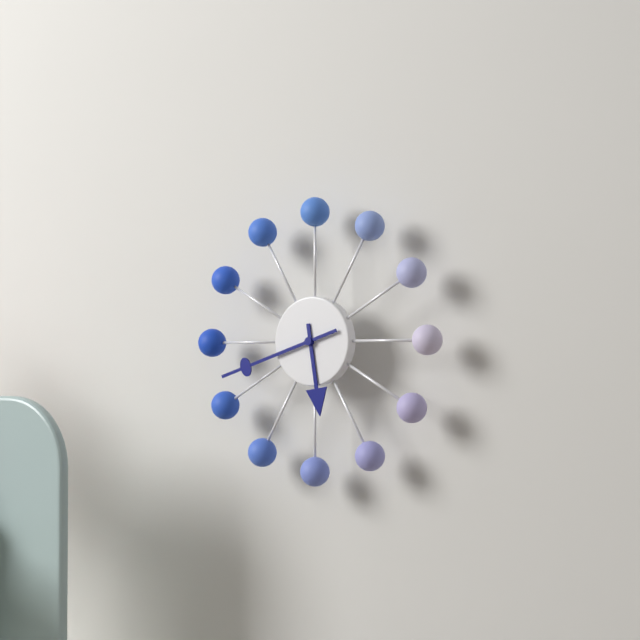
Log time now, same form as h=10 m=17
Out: h=5 m=42
